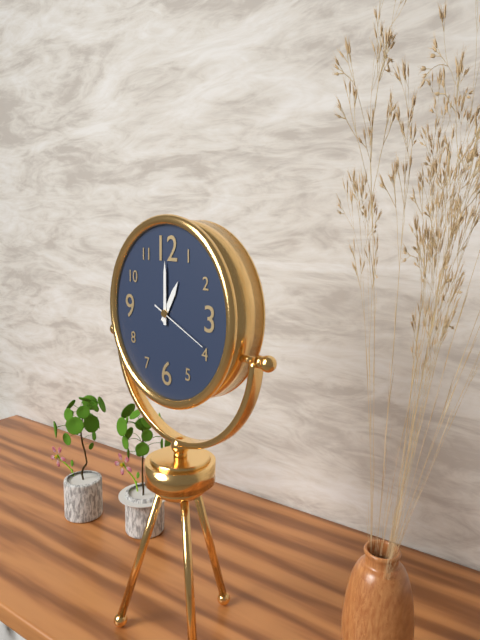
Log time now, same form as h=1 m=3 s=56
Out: h=1 m=0 s=19
